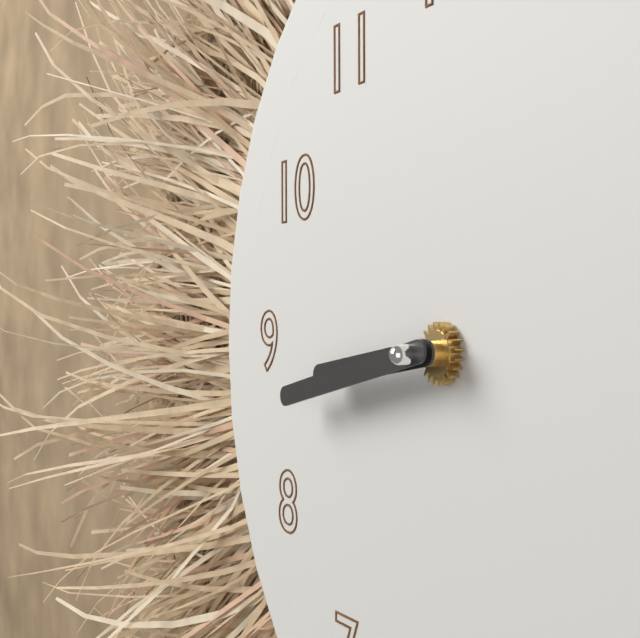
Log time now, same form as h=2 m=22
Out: h=8 m=43
